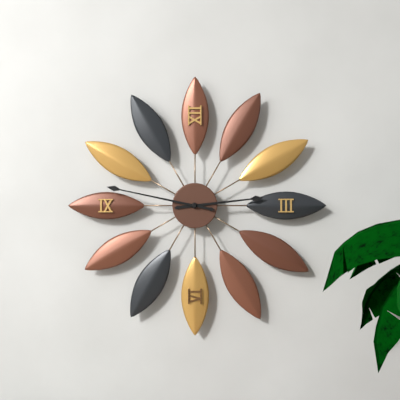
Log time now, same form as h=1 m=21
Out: h=2 m=47
